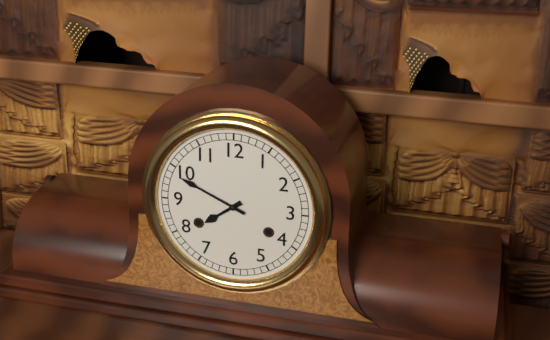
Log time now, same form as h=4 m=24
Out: h=7 m=49
